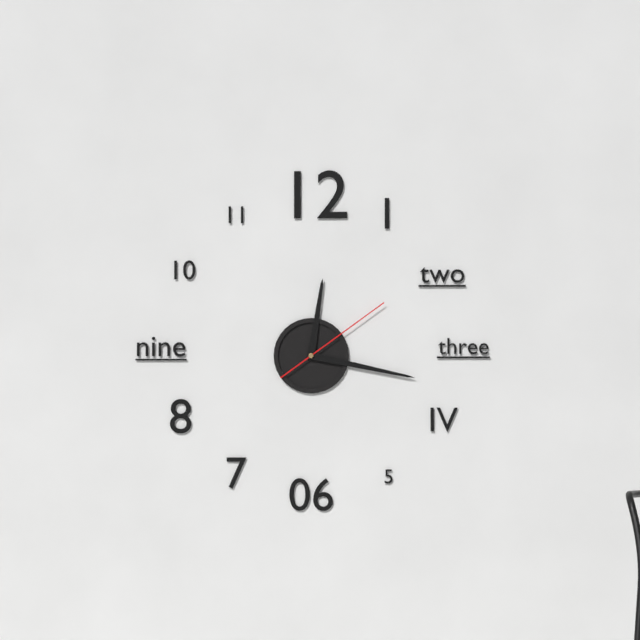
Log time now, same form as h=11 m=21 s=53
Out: h=12 m=17 s=9
